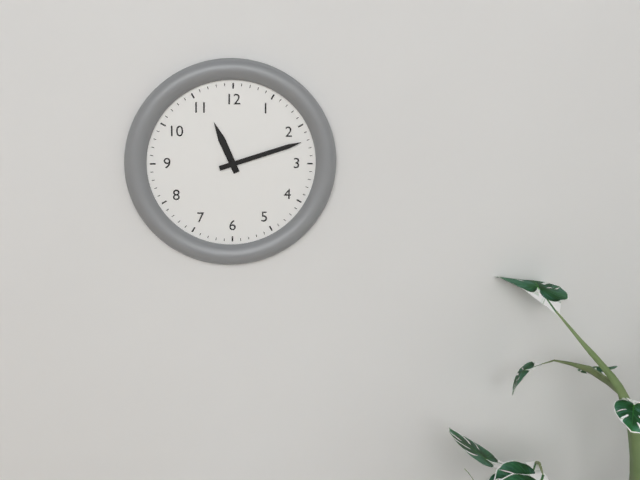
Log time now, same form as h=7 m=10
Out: h=11 m=12
